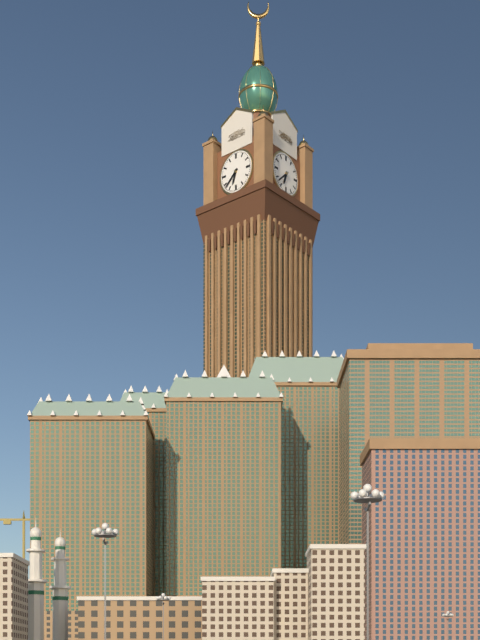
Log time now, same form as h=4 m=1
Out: h=6 m=38
